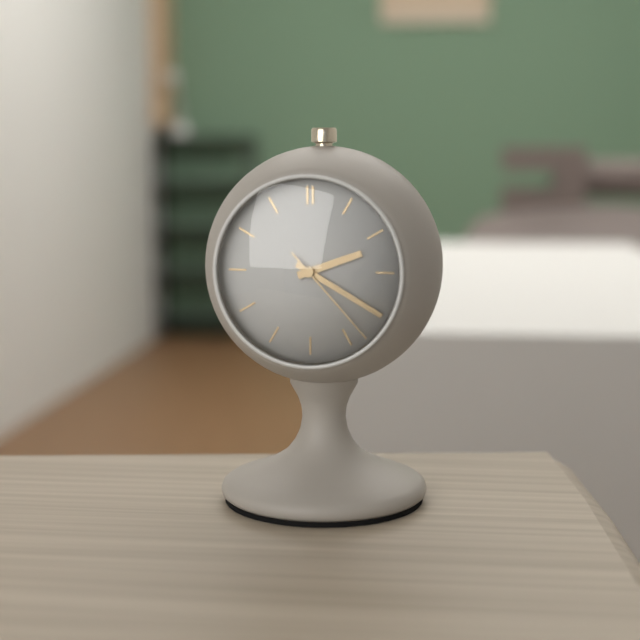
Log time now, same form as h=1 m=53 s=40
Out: h=2 m=20 s=23
